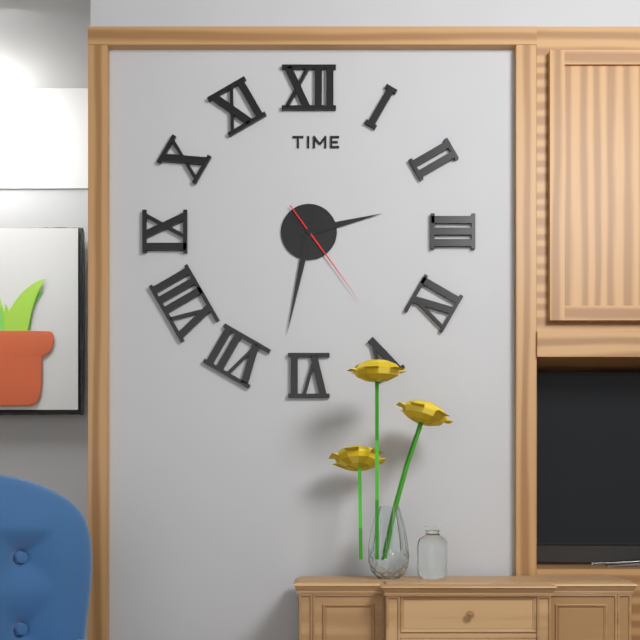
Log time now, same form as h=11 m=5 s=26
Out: h=2 m=32 s=24
